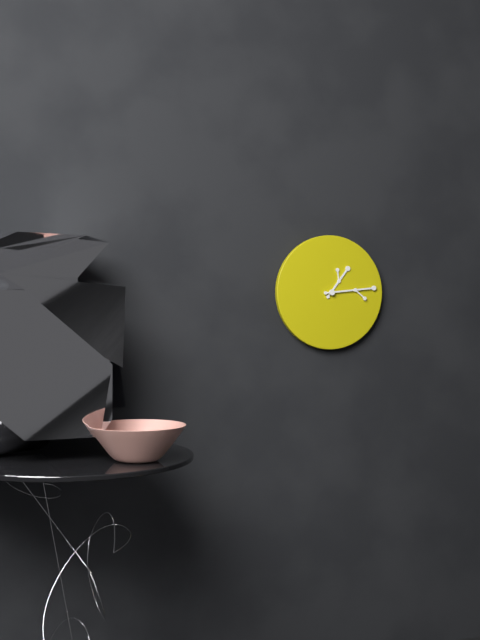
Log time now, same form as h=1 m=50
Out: h=1 m=14
